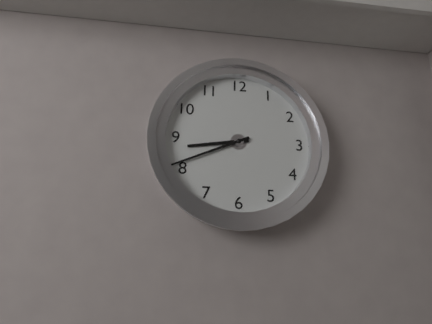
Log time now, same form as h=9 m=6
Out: h=8 m=41
